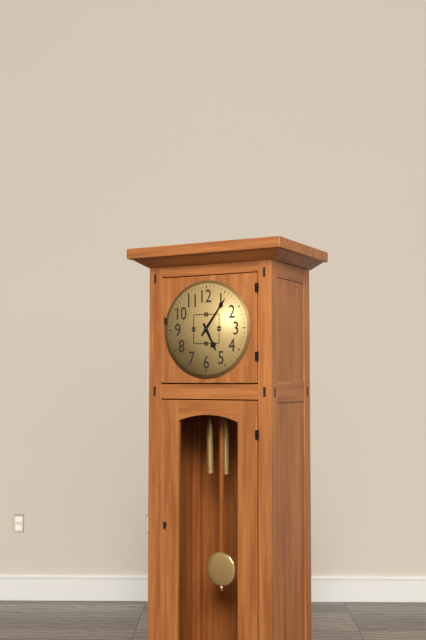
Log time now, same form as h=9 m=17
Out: h=5 m=6
